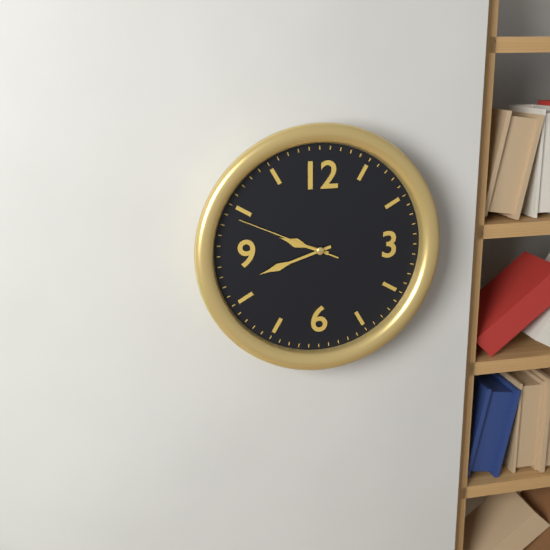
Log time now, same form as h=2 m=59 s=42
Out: h=9 m=42 s=49
